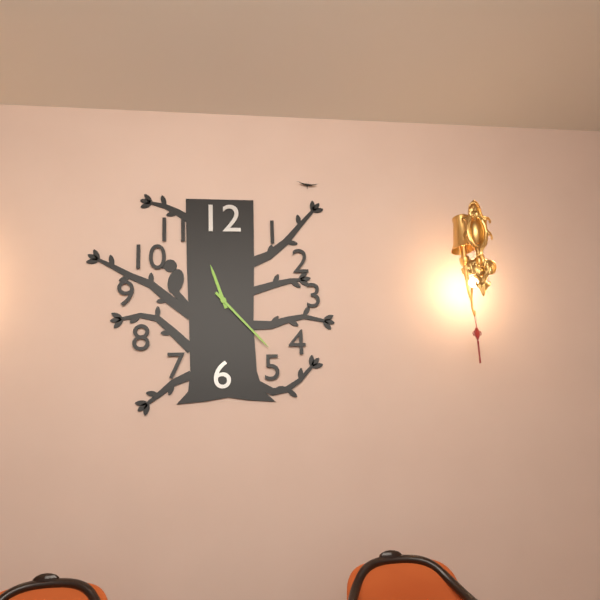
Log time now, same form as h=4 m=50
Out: h=11 m=23
